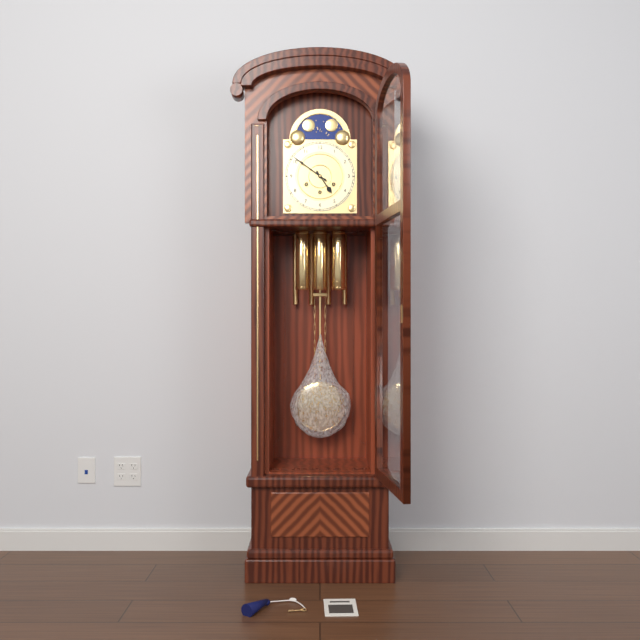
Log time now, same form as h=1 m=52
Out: h=4 m=51
